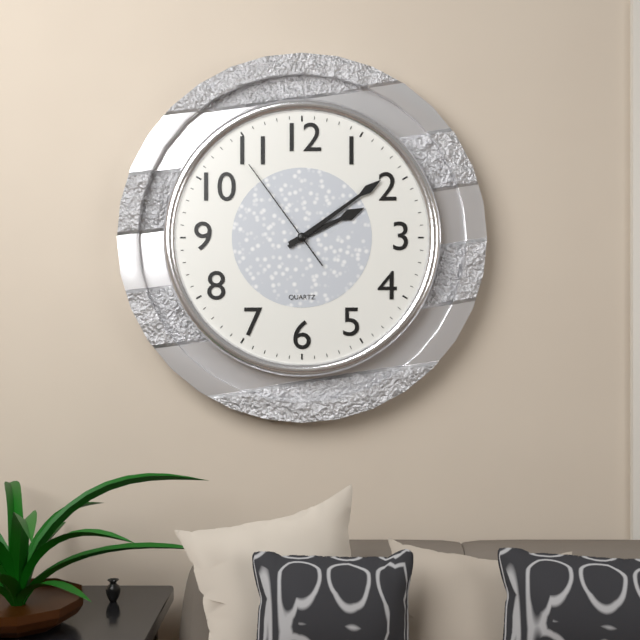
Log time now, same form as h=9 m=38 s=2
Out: h=2 m=9 s=54
